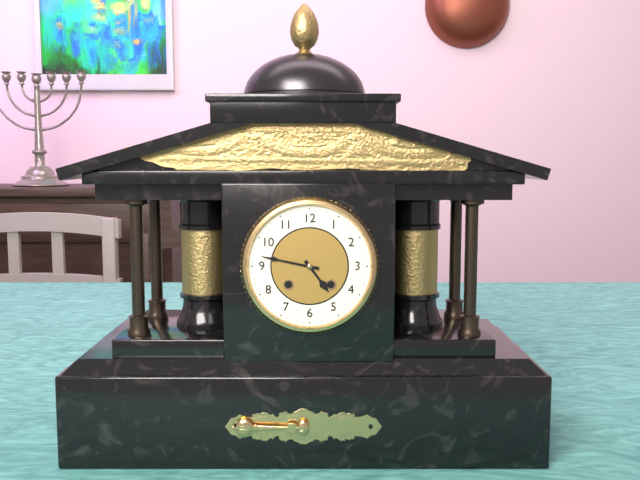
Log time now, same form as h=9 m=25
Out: h=4 m=47
